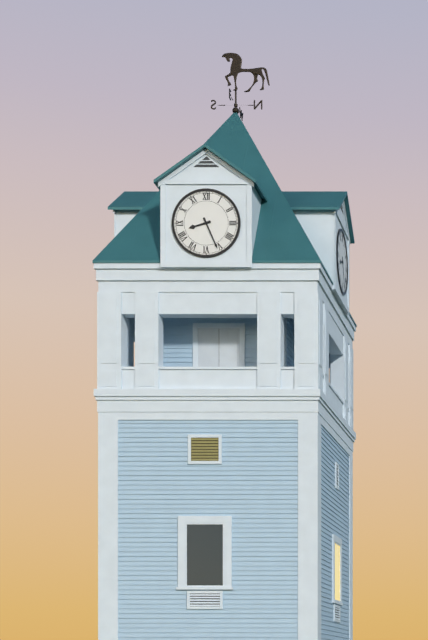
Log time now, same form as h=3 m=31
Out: h=8 m=26
